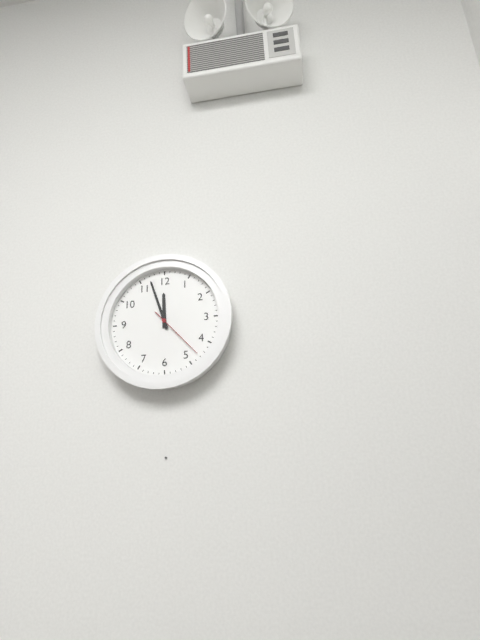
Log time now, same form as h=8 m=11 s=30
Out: h=11 m=57 s=23
